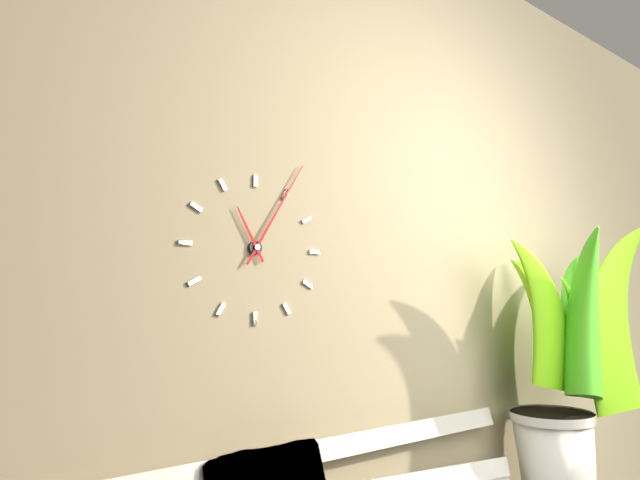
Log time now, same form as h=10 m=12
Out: h=11 m=5
